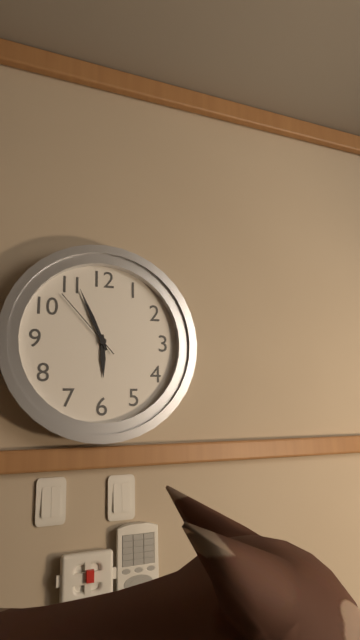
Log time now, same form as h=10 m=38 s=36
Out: h=5 m=56 s=53
